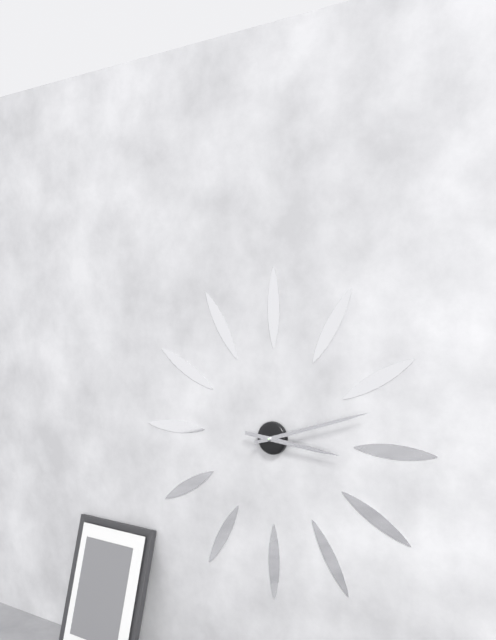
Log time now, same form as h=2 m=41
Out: h=3 m=12
